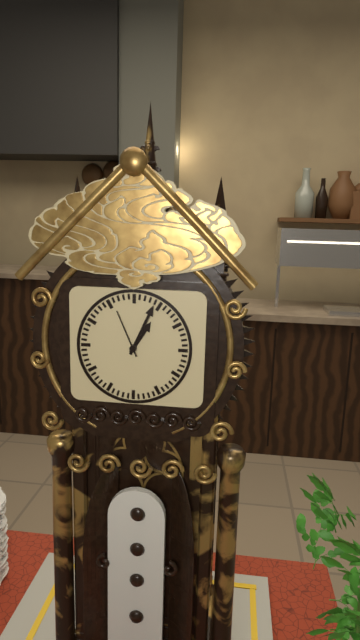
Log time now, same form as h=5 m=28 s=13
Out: h=1 m=4 s=56
